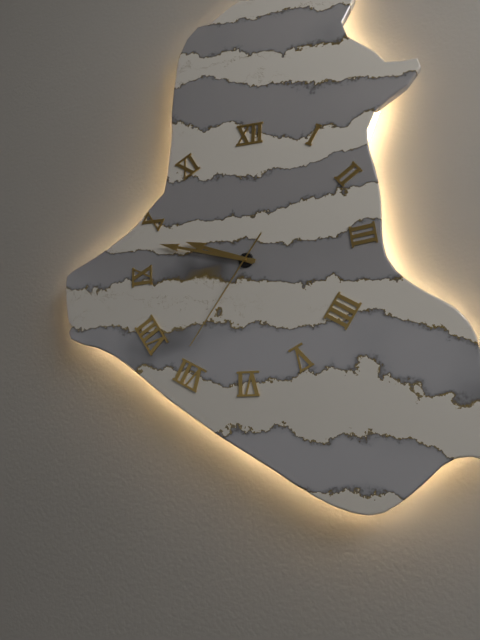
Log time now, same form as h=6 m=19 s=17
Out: h=9 m=48 s=36
